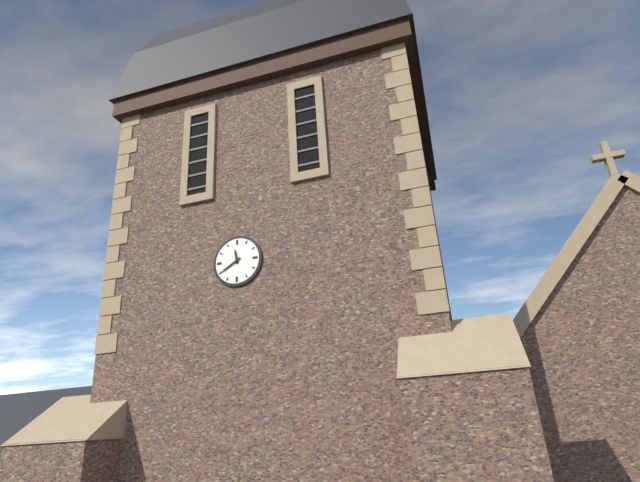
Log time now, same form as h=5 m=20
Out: h=11 m=40
